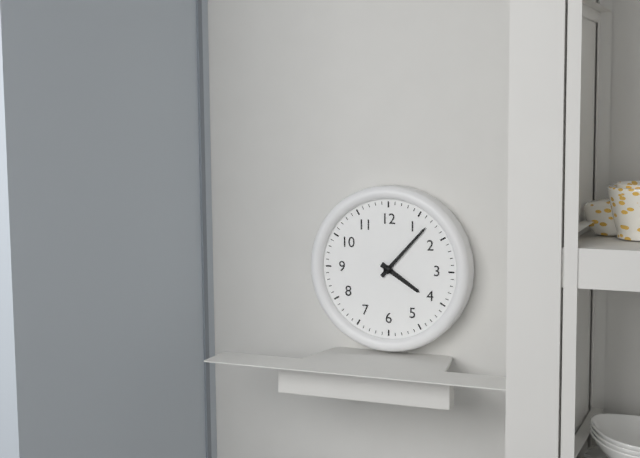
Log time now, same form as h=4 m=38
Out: h=4 m=7
